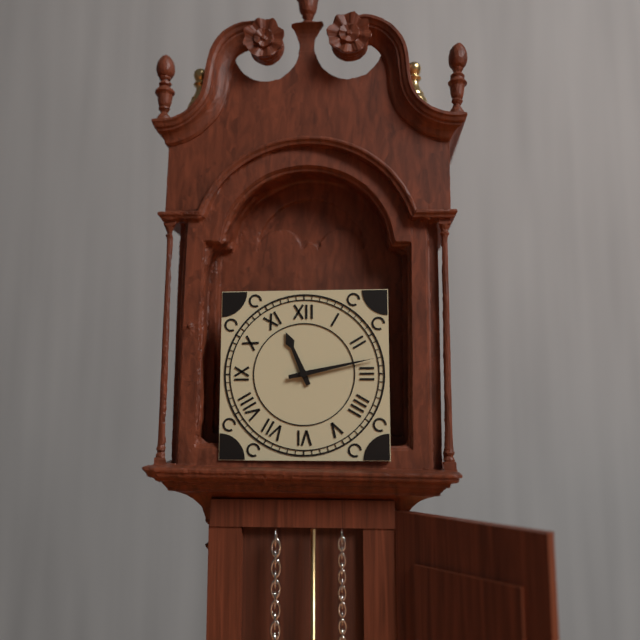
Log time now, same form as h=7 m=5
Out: h=11 m=13
